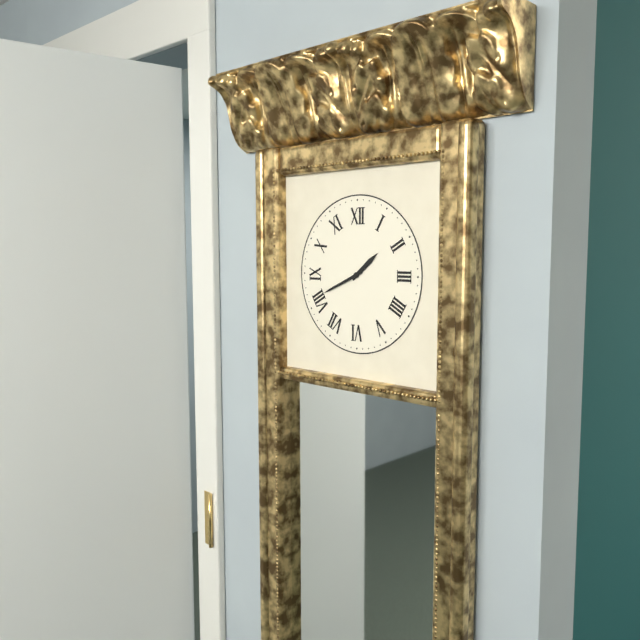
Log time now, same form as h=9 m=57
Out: h=1 m=41
